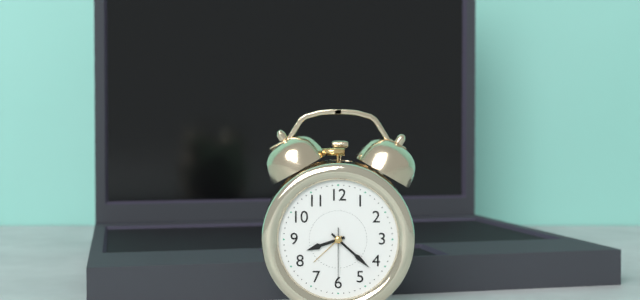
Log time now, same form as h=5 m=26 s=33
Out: h=8 m=22 s=30
